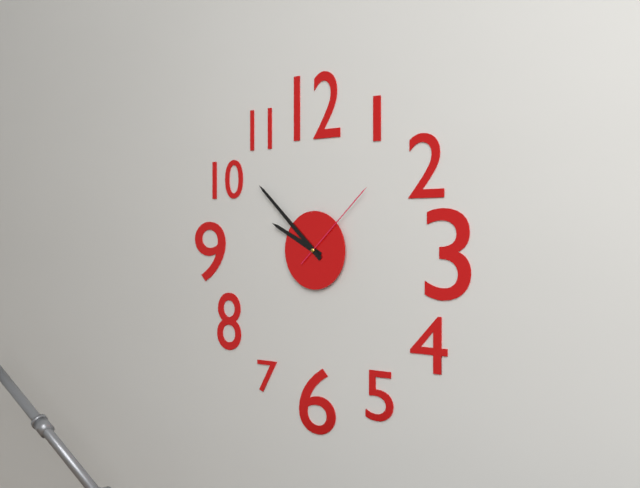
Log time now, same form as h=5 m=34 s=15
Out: h=9 m=52 s=8
